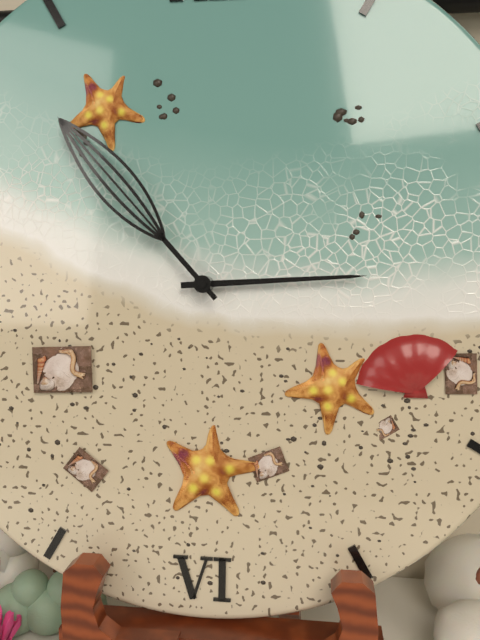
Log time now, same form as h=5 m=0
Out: h=2 m=53
